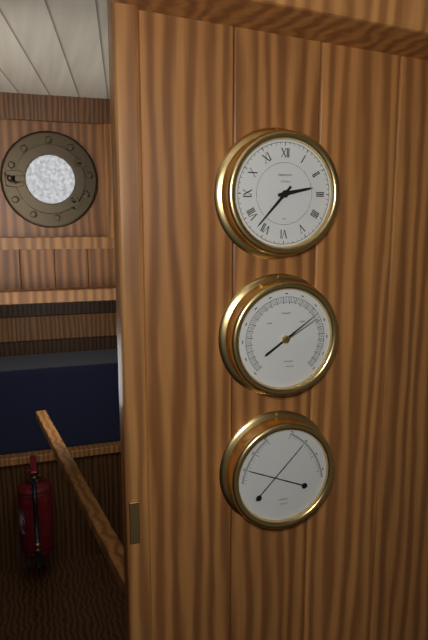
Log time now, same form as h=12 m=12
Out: h=2 m=37
